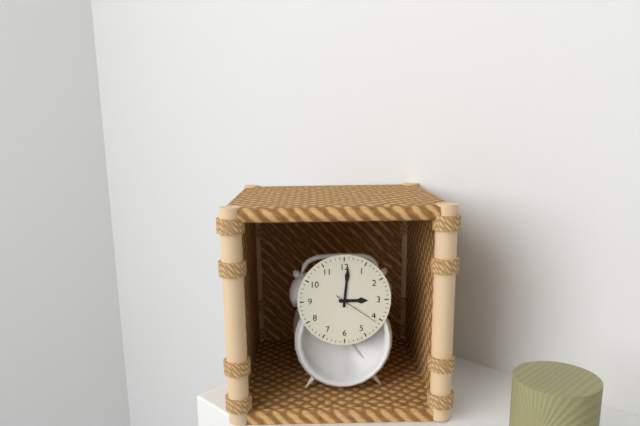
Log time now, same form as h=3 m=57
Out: h=3 m=1
